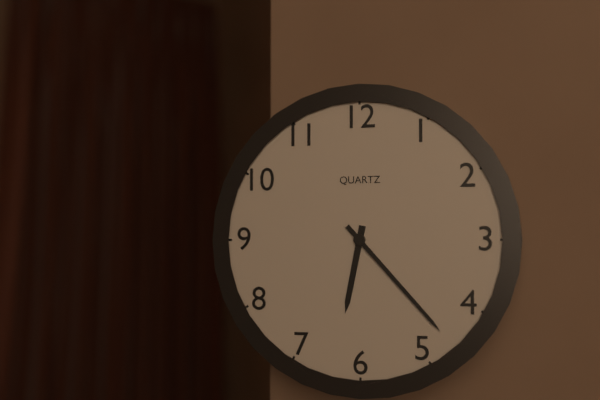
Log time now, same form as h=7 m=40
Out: h=6 m=23
